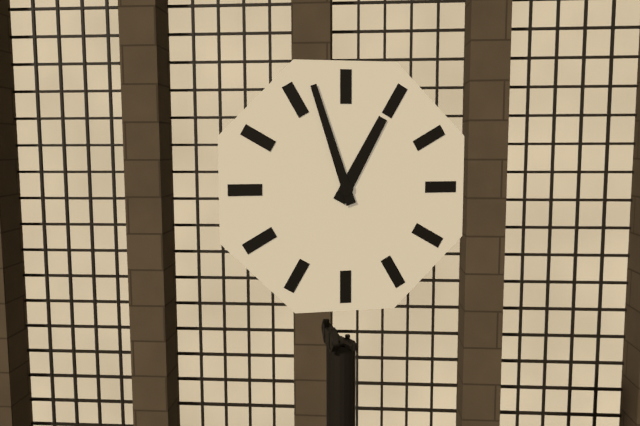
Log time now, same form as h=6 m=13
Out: h=12 m=57
